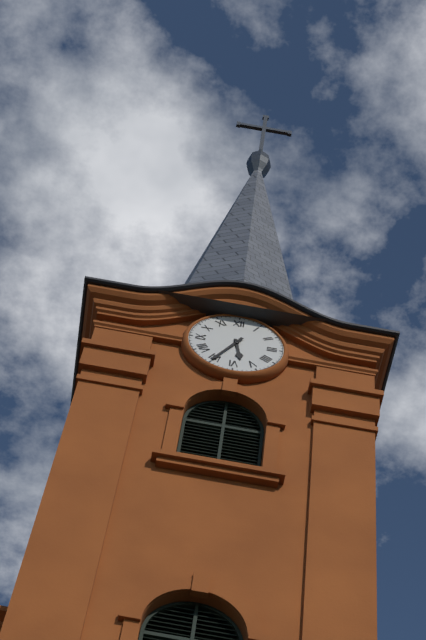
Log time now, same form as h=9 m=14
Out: h=5 m=35
